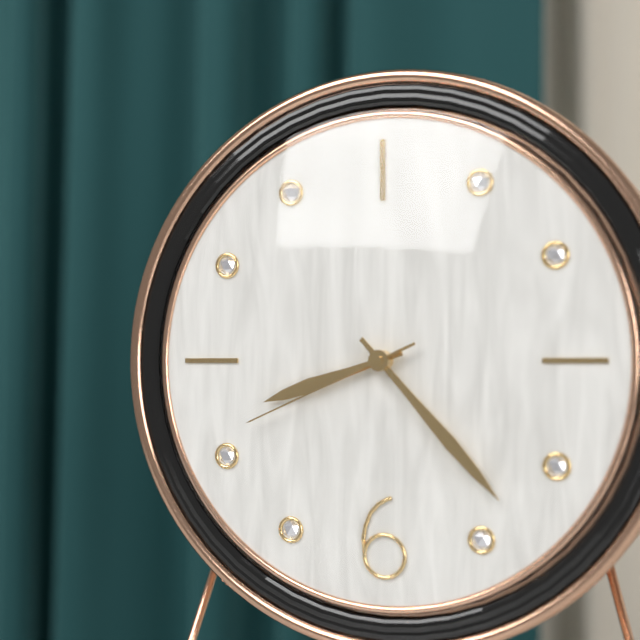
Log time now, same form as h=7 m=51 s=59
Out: h=8 m=23 s=41
